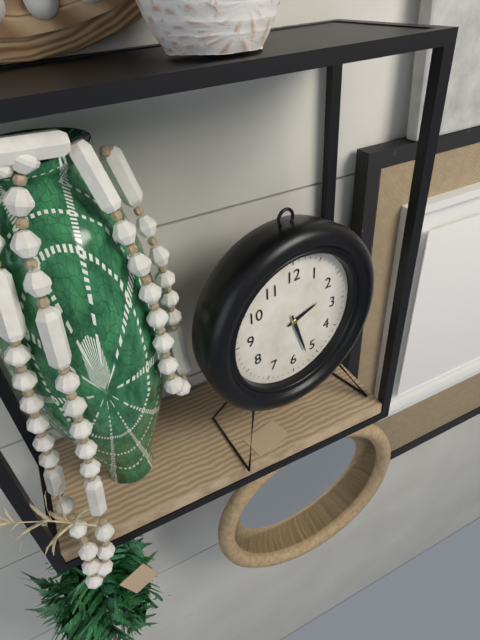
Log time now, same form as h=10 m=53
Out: h=2 m=27
